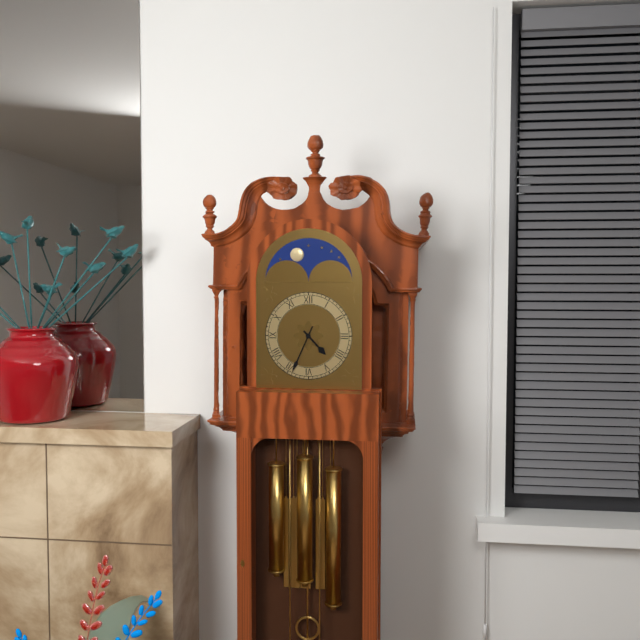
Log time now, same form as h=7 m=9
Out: h=4 m=34
